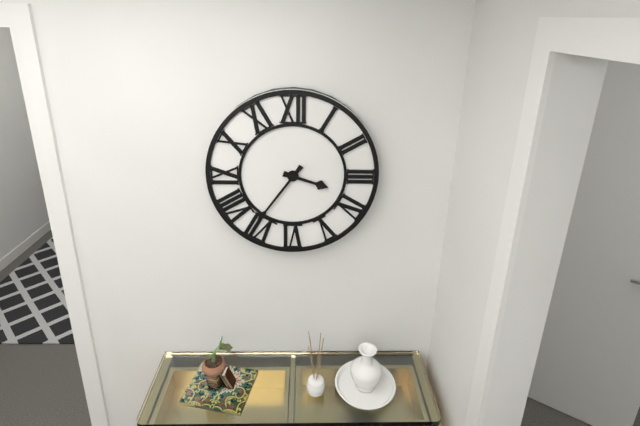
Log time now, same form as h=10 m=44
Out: h=3 m=36
